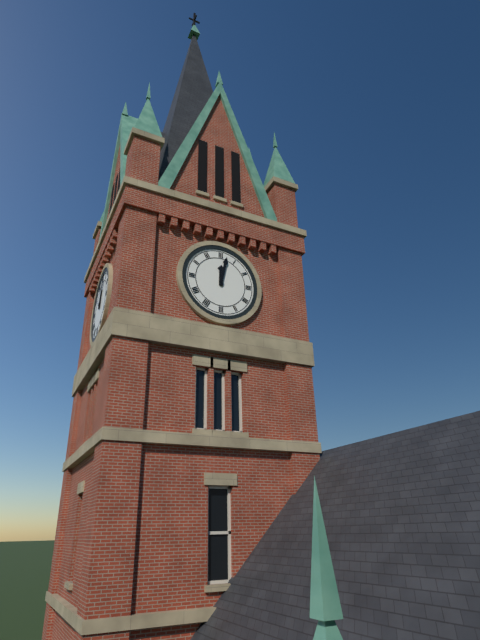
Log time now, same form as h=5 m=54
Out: h=12 m=2
